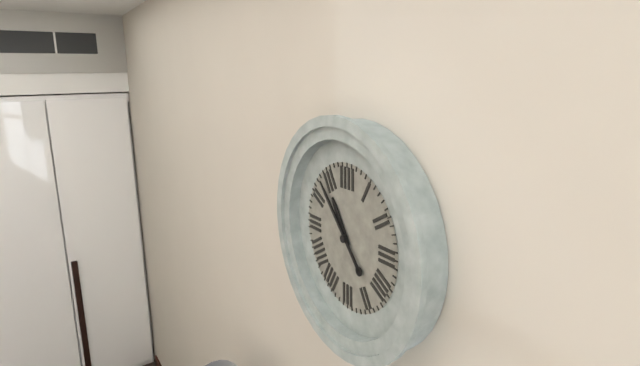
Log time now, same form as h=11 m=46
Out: h=10 m=53
